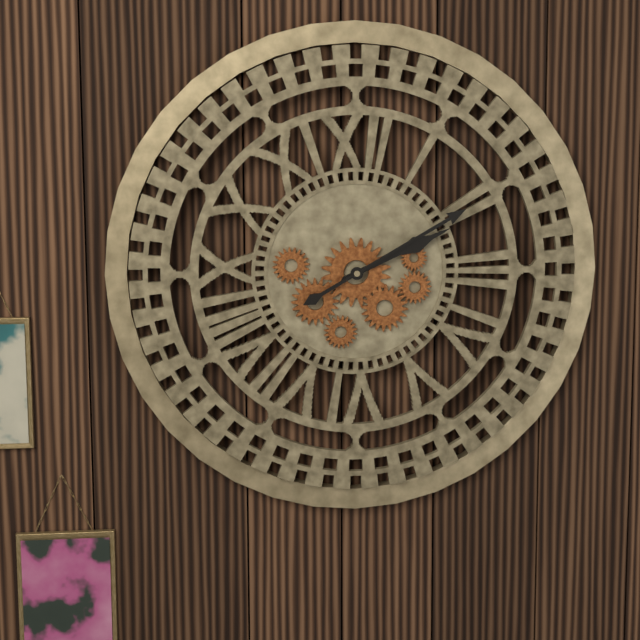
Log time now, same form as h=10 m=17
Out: h=2 m=10
